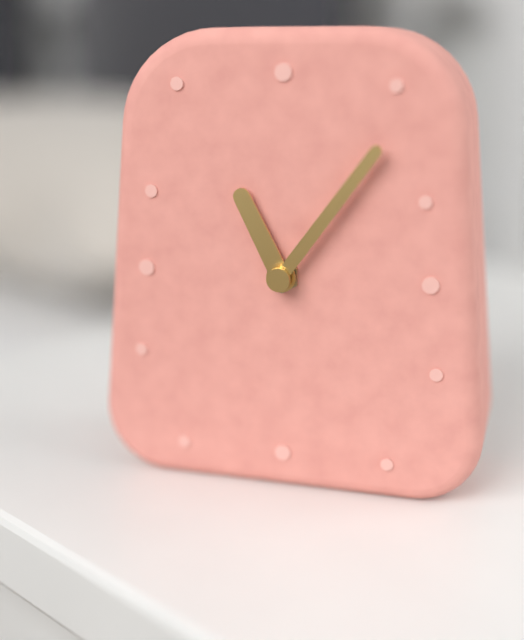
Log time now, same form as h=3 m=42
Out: h=11 m=6
